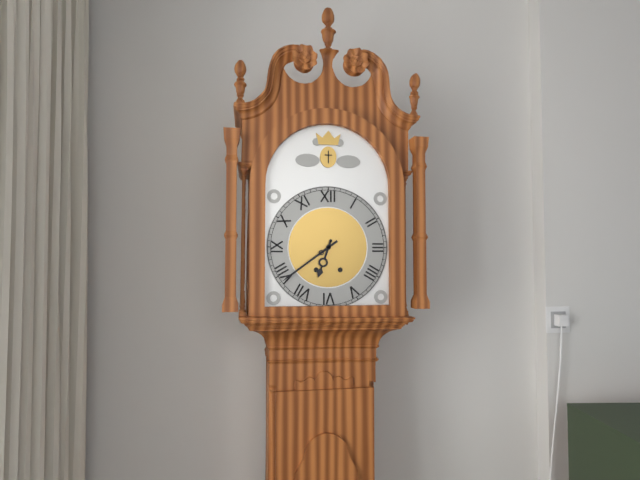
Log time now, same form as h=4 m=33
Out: h=6 m=39
